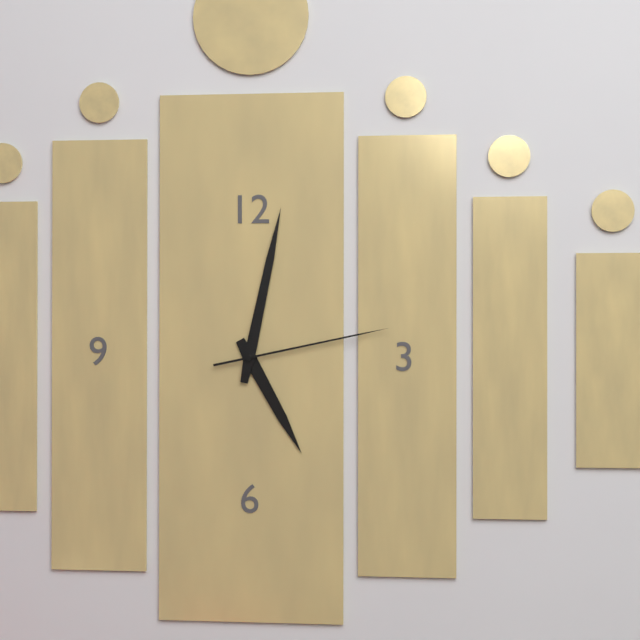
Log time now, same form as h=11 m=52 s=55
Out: h=5 m=2 s=13
